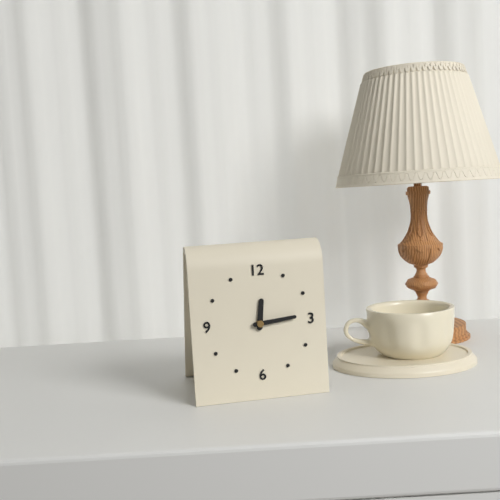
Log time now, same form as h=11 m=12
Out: h=12 m=14
